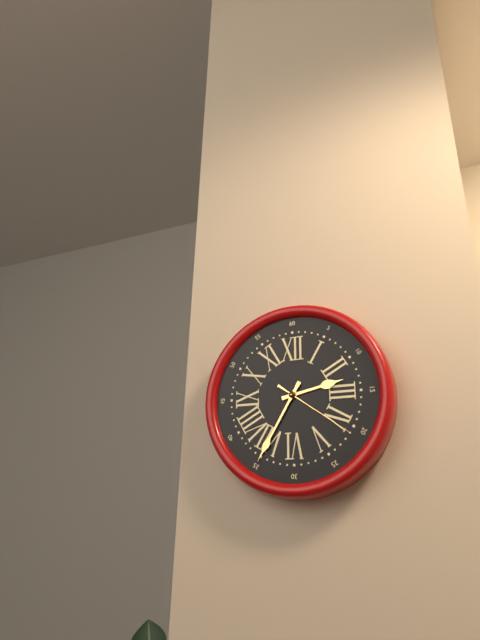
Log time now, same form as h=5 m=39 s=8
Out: h=2 m=35 s=21
